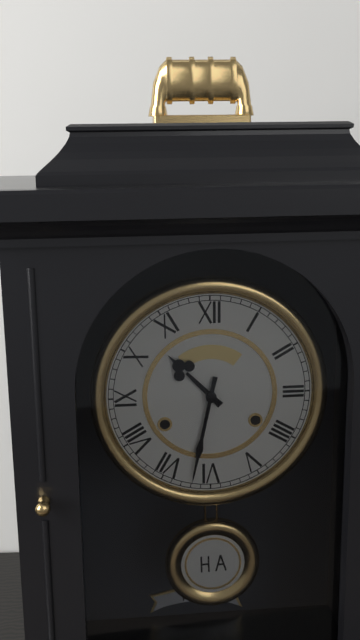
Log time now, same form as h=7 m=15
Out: h=10 m=32
